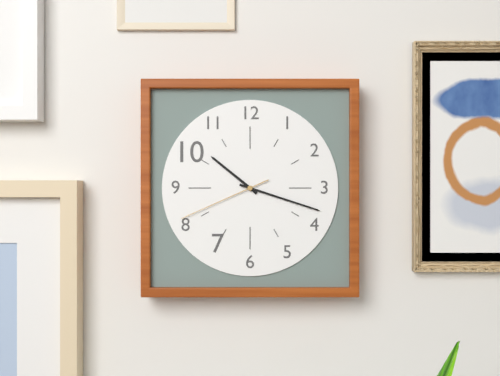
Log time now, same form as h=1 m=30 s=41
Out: h=10 m=18 s=41
